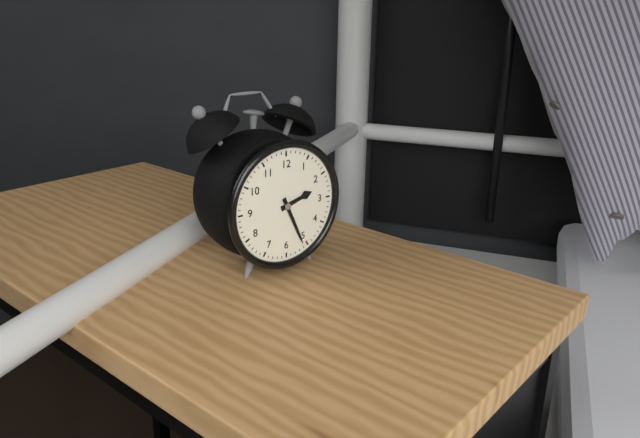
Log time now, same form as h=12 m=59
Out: h=2 m=26
